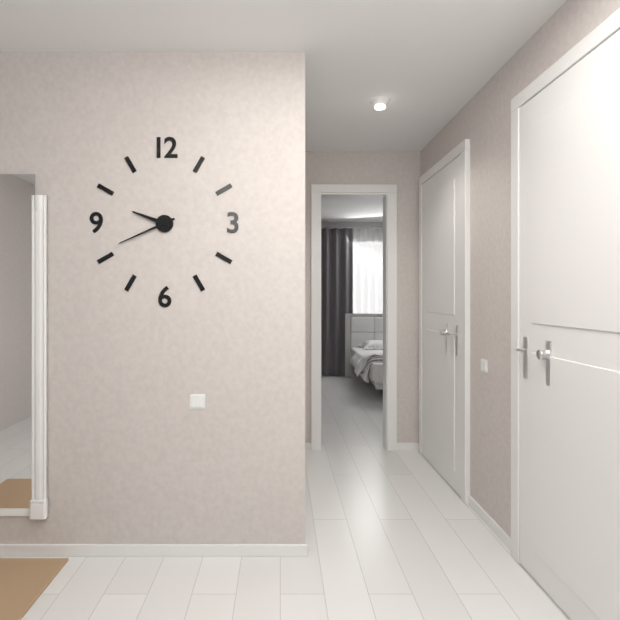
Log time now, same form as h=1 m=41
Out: h=9 m=41
